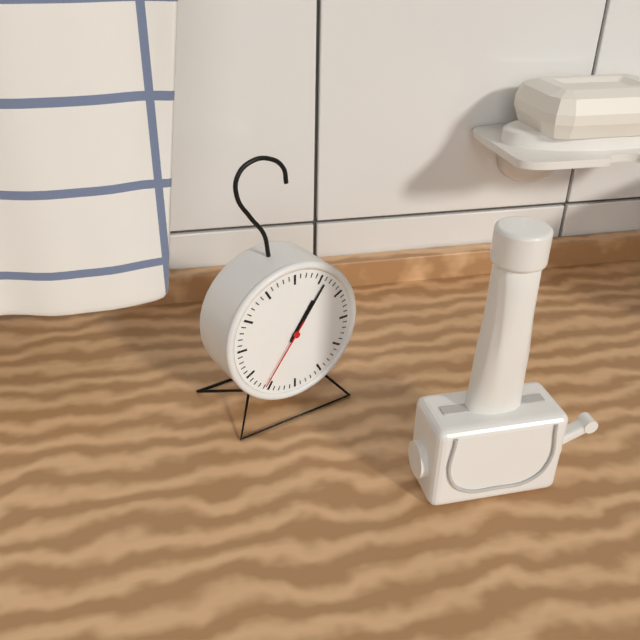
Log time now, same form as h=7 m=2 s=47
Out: h=1 m=6 s=36
